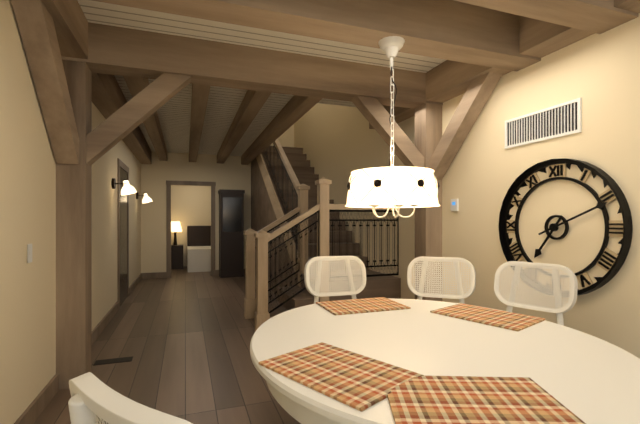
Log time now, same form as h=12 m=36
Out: h=7 m=11
